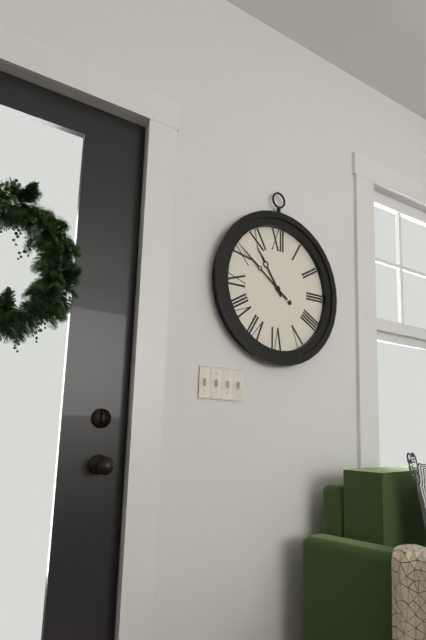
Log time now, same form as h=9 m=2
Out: h=10 m=51
